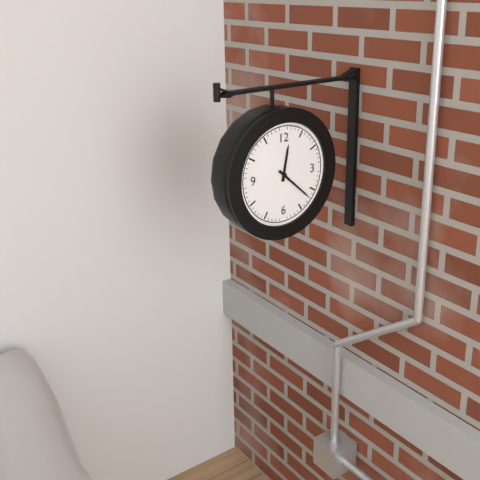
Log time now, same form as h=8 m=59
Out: h=12 m=22
